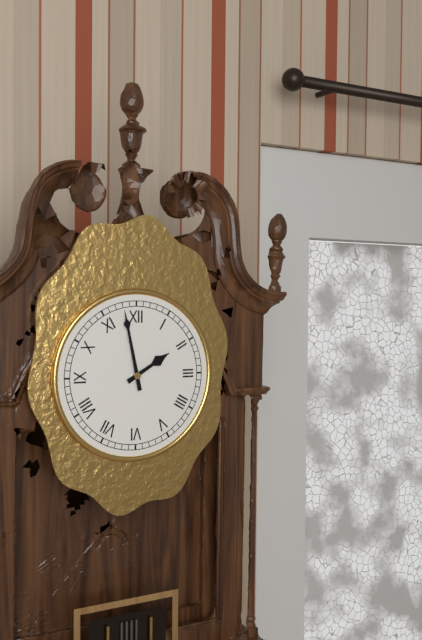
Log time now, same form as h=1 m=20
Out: h=1 m=58
